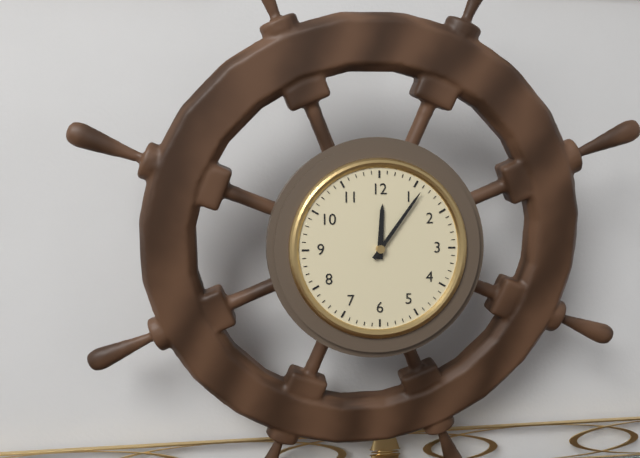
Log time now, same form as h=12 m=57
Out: h=12 m=6
